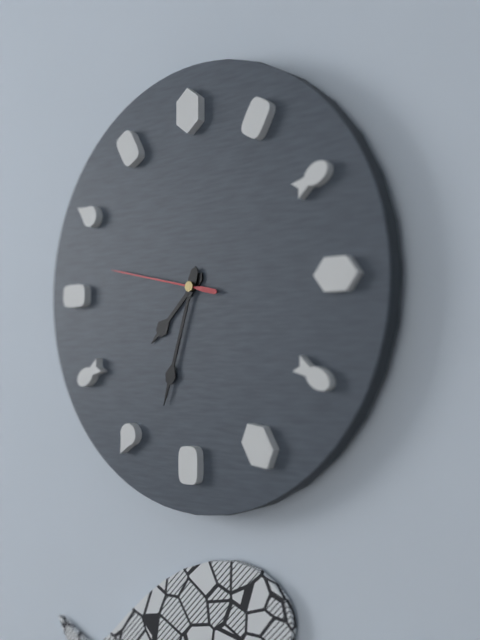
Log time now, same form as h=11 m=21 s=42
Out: h=7 m=33 s=47
